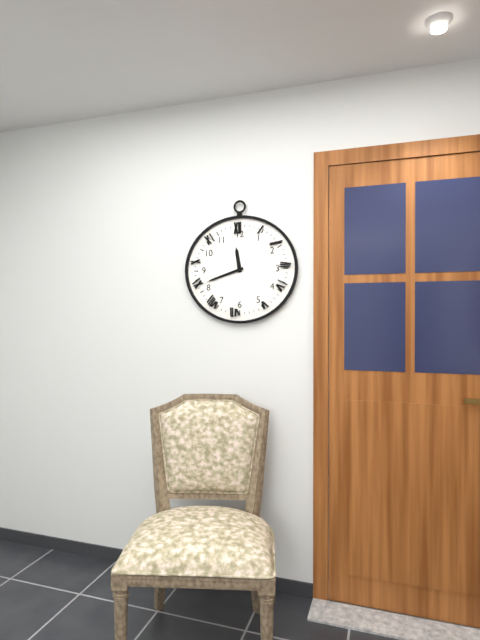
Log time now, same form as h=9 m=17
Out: h=11 m=42
